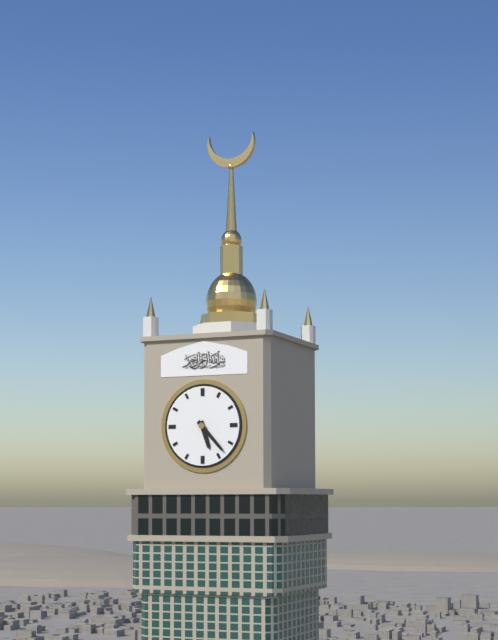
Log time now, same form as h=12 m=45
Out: h=5 m=23
